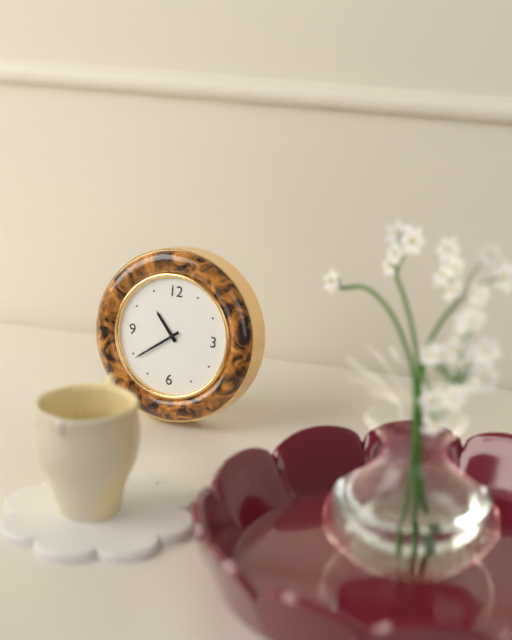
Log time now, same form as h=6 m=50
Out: h=10 m=39
